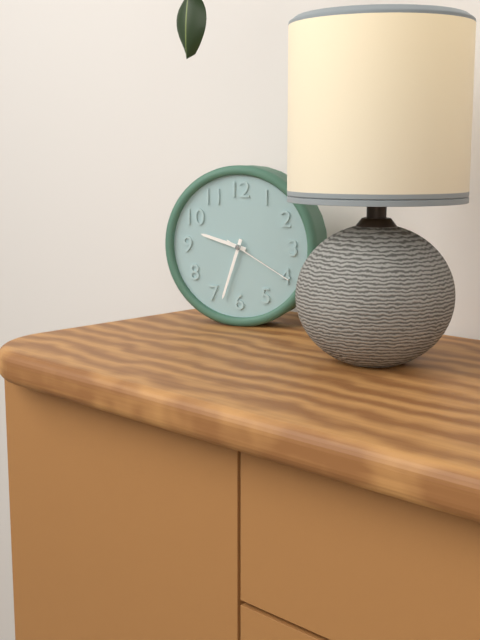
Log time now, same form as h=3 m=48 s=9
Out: h=9 m=33 s=20
